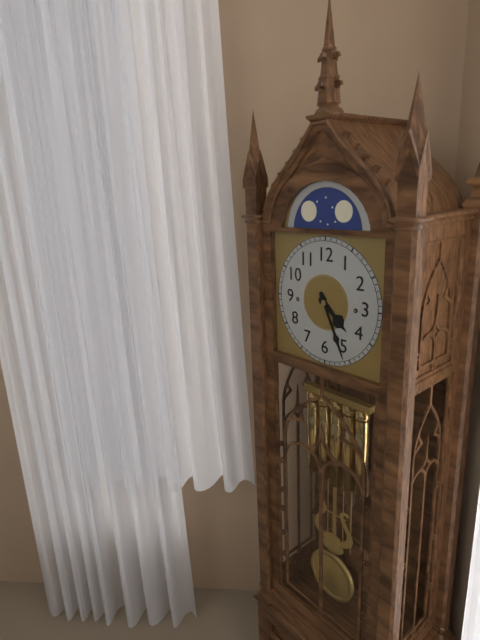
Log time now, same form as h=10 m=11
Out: h=4 m=26
